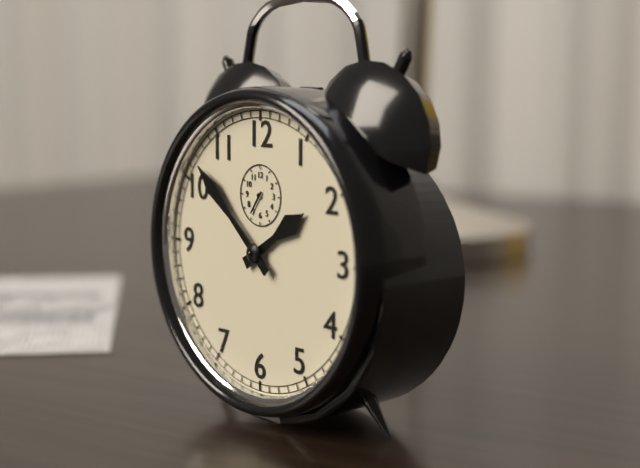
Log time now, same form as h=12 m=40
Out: h=1 m=52
